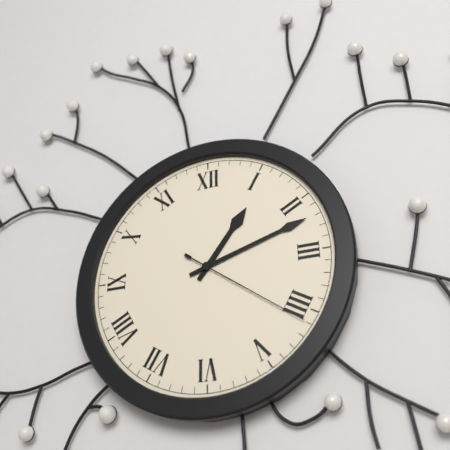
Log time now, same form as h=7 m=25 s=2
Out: h=1 m=12 s=21
